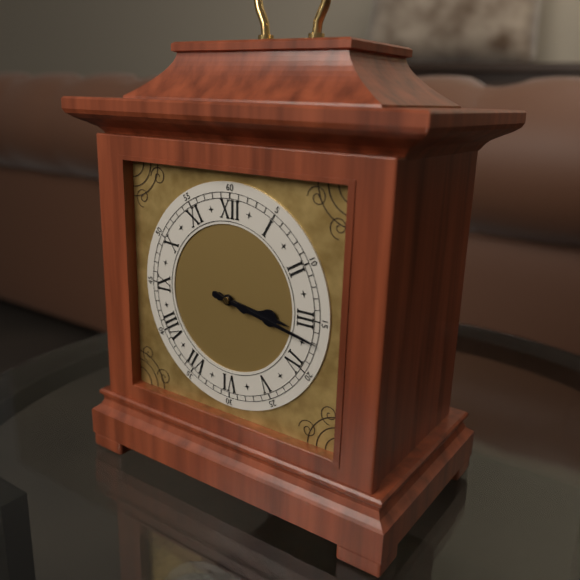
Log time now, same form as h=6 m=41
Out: h=3 m=17
